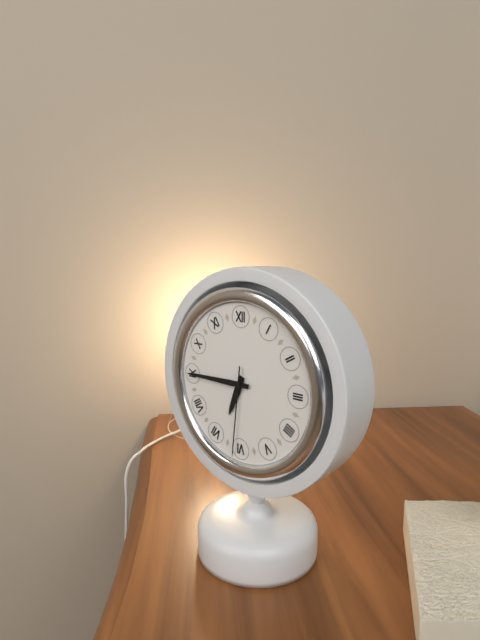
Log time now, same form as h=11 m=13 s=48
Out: h=6 m=45 s=31
